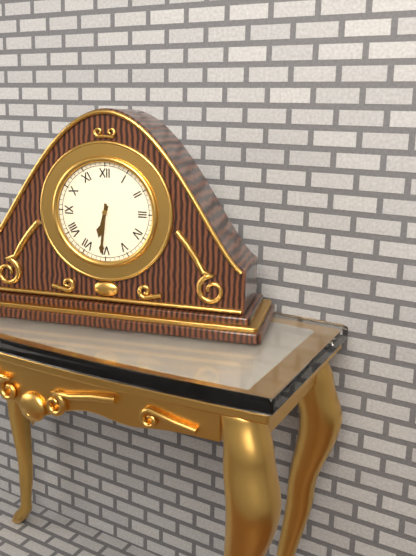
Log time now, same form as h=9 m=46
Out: h=6 m=31
